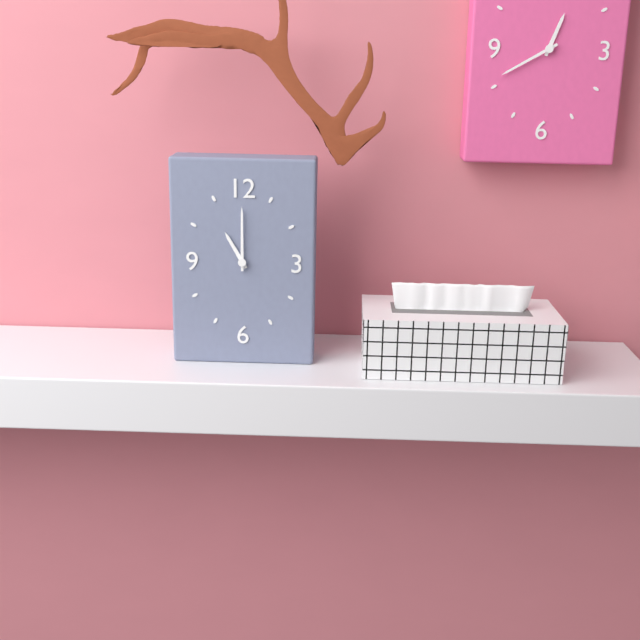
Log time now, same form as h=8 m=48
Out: h=11 m=0
